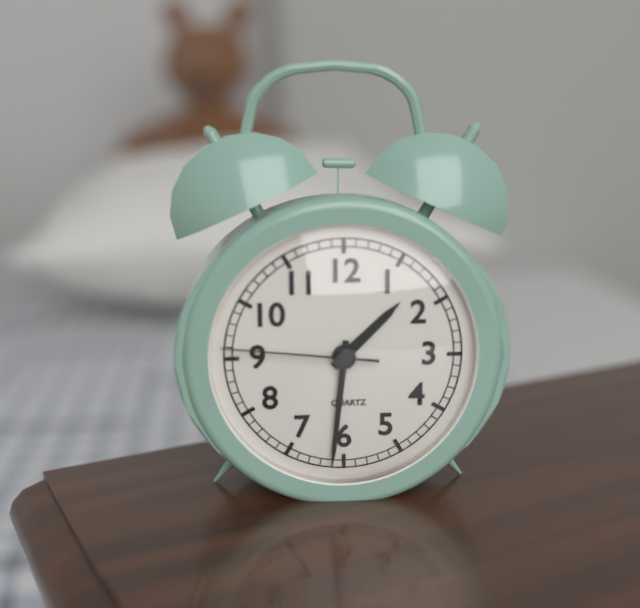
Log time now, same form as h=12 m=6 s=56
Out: h=1 m=31 s=46
